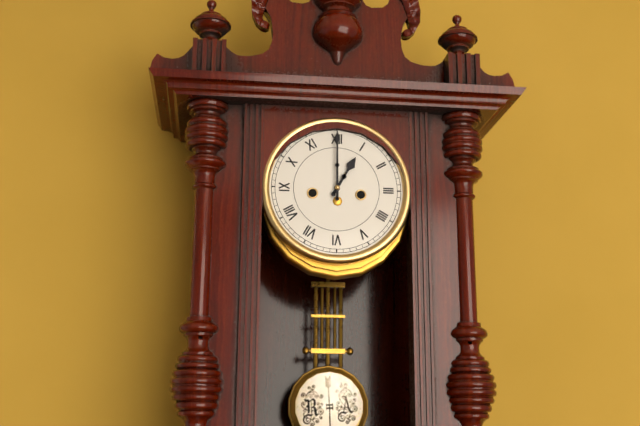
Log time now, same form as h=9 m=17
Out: h=1 m=0
